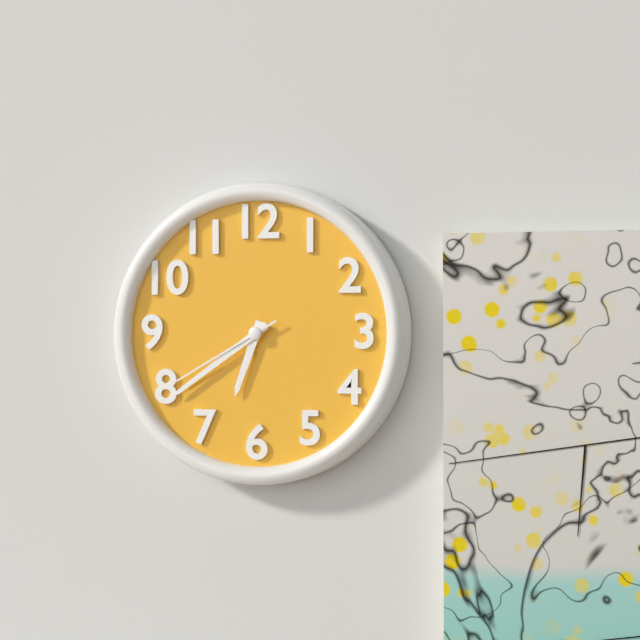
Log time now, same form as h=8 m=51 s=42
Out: h=6 m=39 s=40
